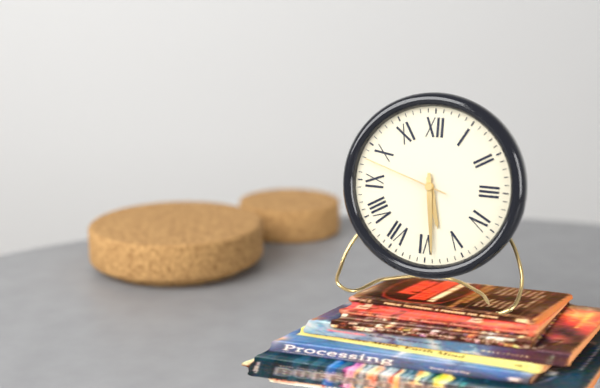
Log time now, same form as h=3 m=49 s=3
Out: h=5 m=29 s=48
